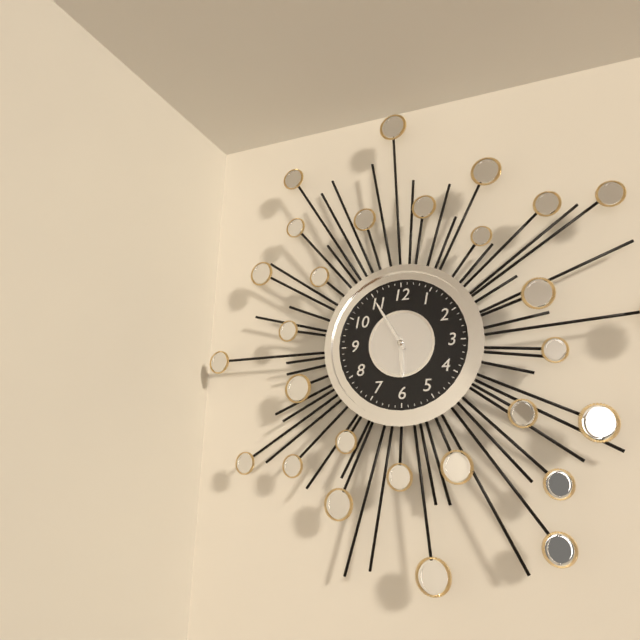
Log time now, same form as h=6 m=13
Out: h=5 m=55
